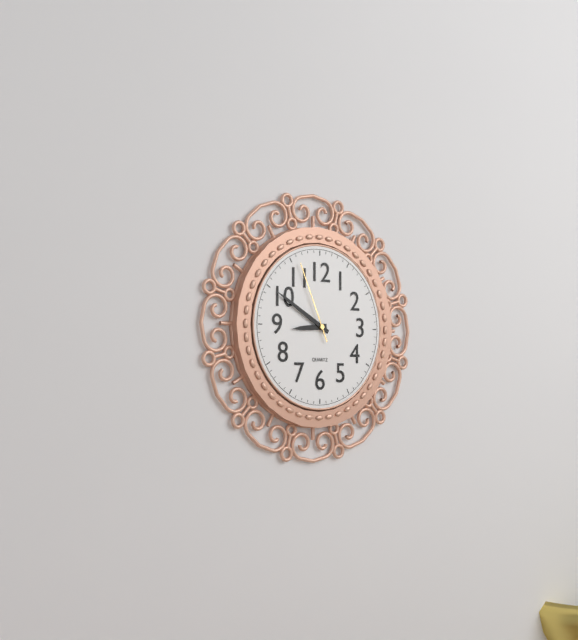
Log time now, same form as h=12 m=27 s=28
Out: h=8 m=50 s=56
